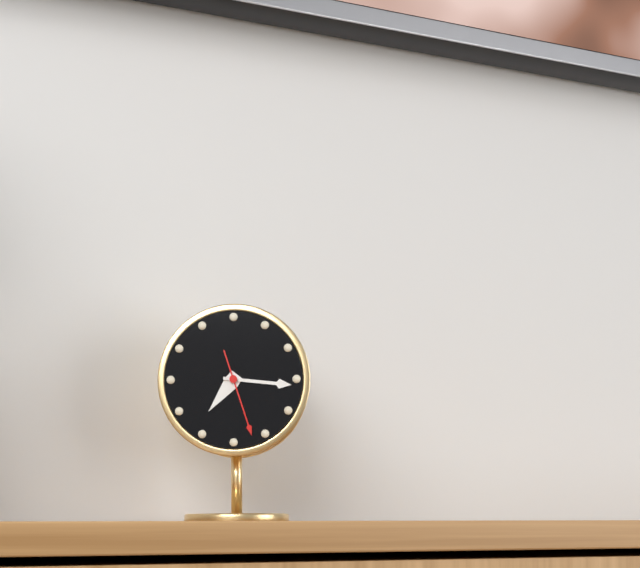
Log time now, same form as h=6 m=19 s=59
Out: h=7 m=16 s=27
